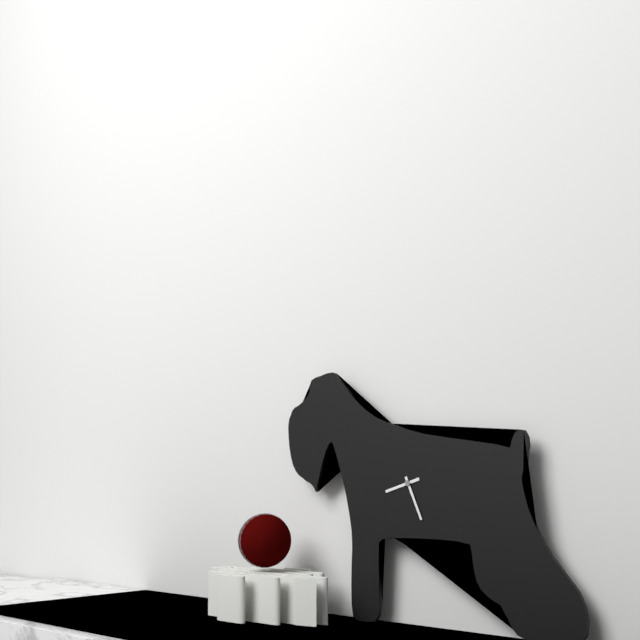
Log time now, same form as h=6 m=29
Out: h=8 m=26
